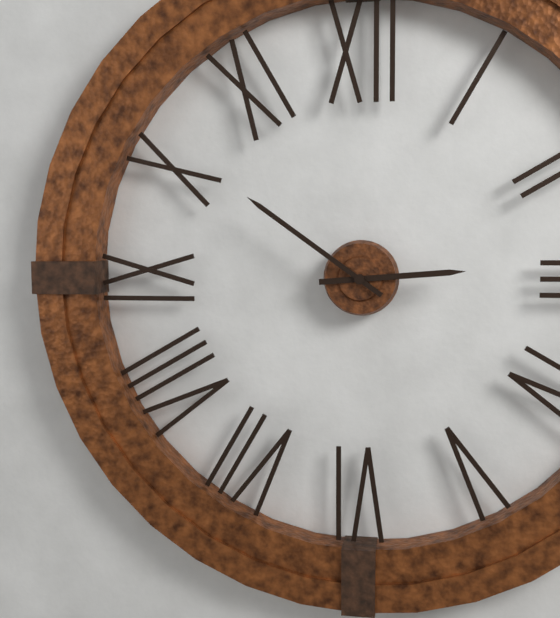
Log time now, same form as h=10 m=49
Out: h=2 m=51
